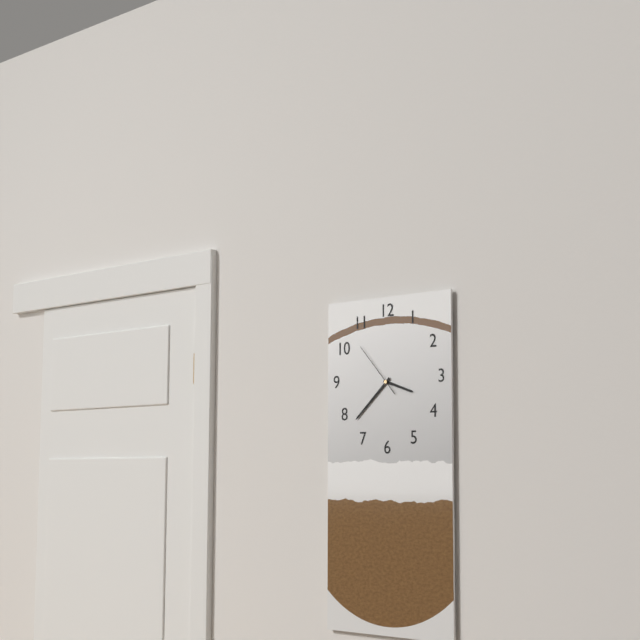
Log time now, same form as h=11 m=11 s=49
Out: h=3 m=38 s=53
